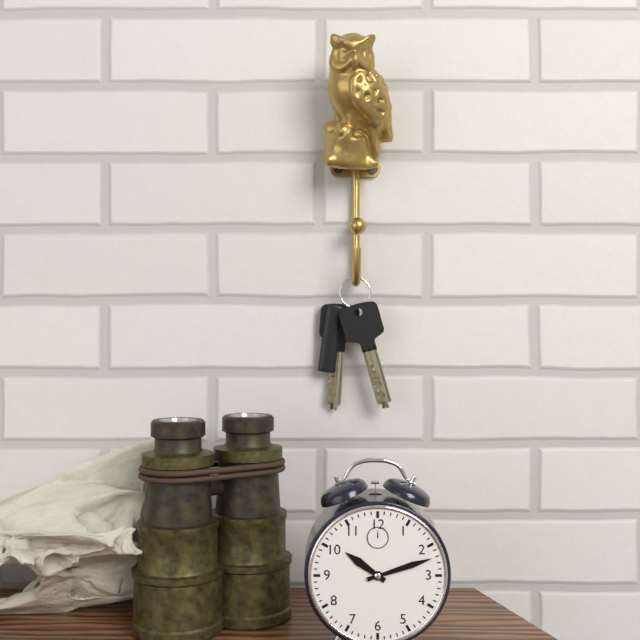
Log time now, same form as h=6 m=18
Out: h=10 m=12
